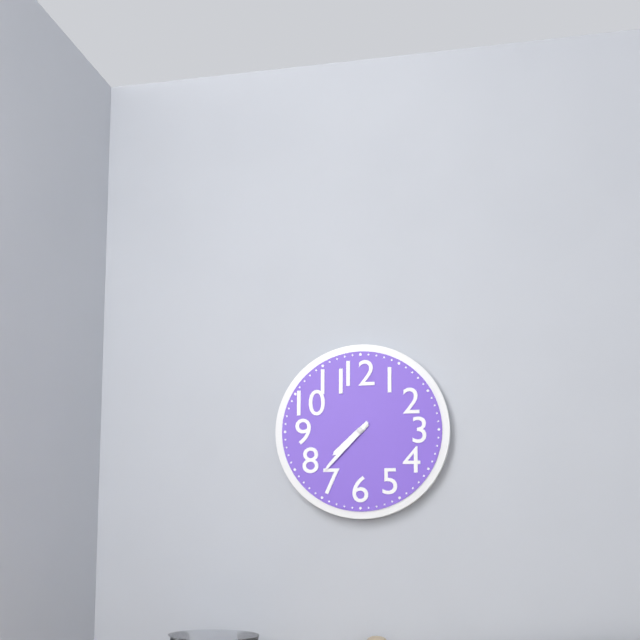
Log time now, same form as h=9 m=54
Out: h=7 m=37
